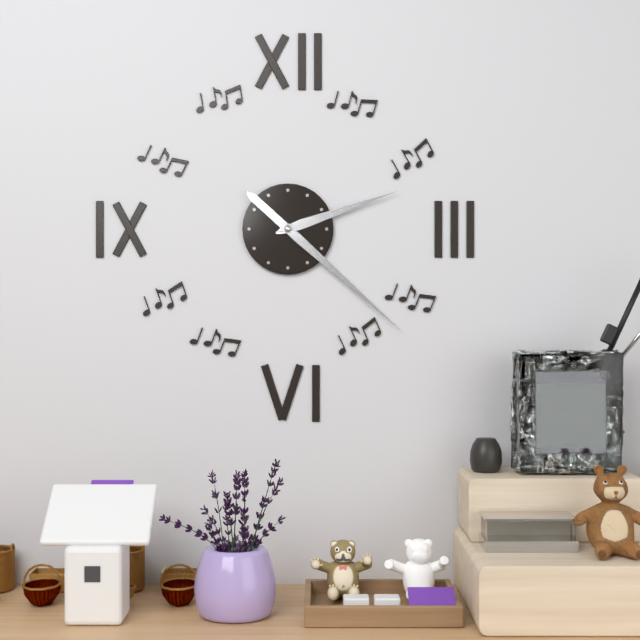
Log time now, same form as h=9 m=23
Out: h=2 m=22
